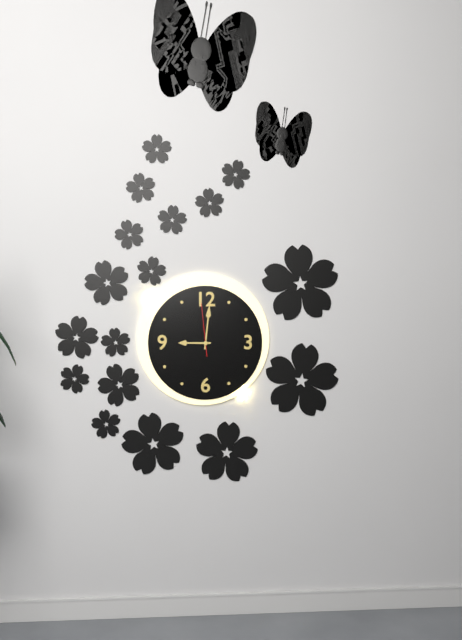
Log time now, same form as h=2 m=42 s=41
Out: h=9 m=1 s=59
